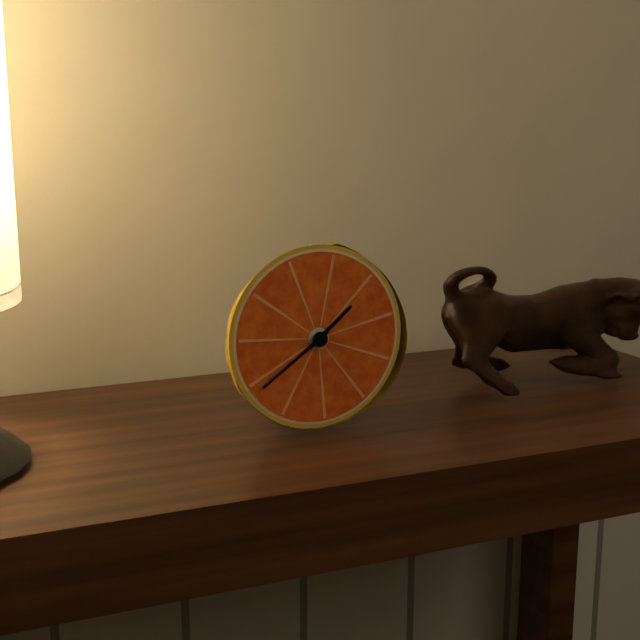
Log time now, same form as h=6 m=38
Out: h=1 m=39
